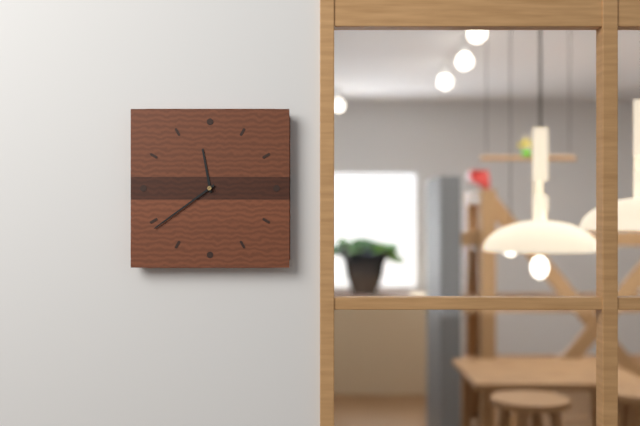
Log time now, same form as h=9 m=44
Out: h=11 m=39
